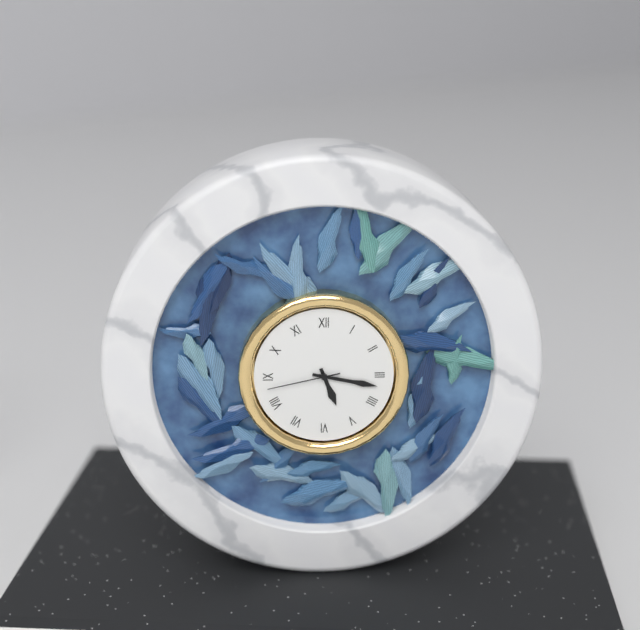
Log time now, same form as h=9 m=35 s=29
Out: h=5 m=17 s=43
